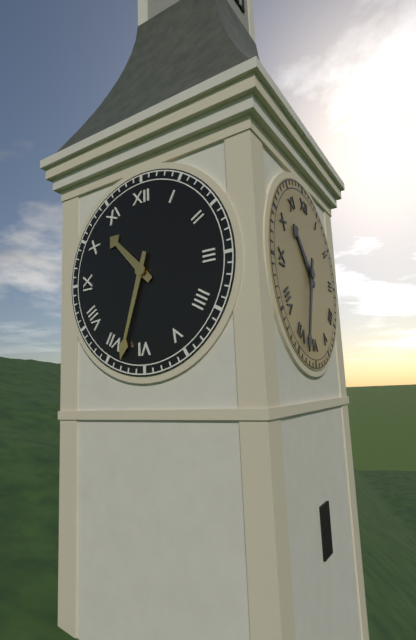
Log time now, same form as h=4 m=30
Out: h=10 m=33
